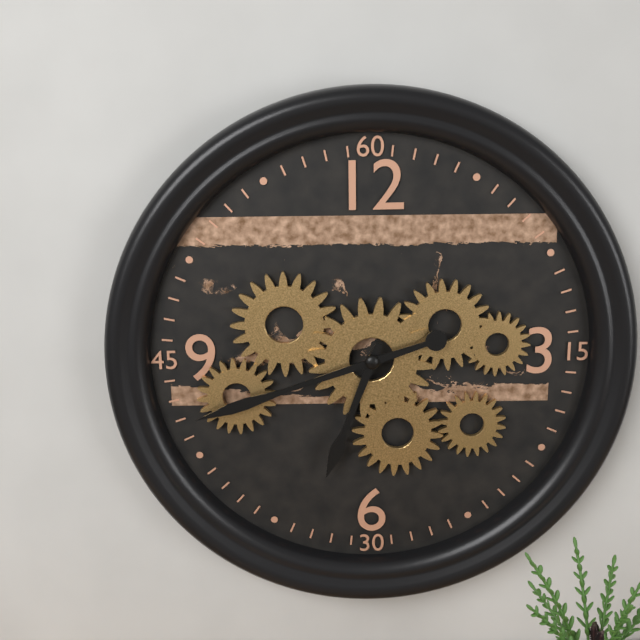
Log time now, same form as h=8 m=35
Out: h=6 m=42
